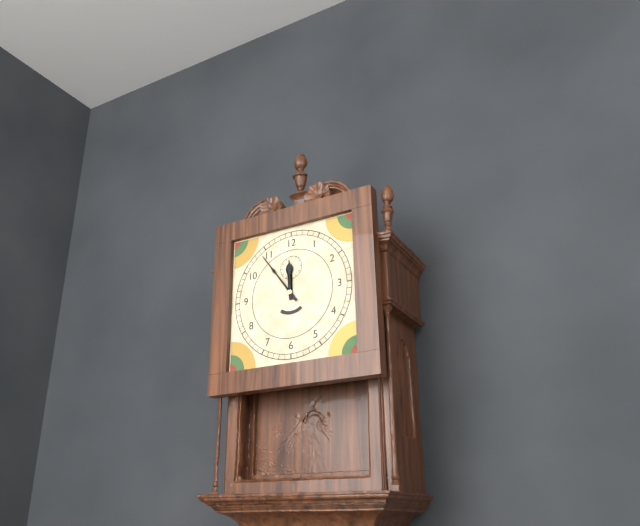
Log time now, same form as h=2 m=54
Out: h=11 m=54
